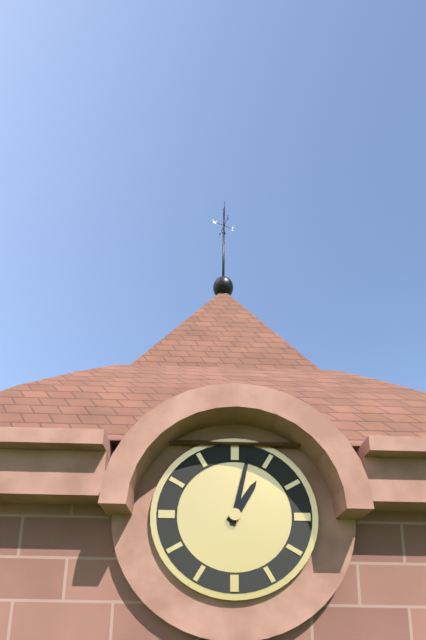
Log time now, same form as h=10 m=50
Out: h=1 m=2
